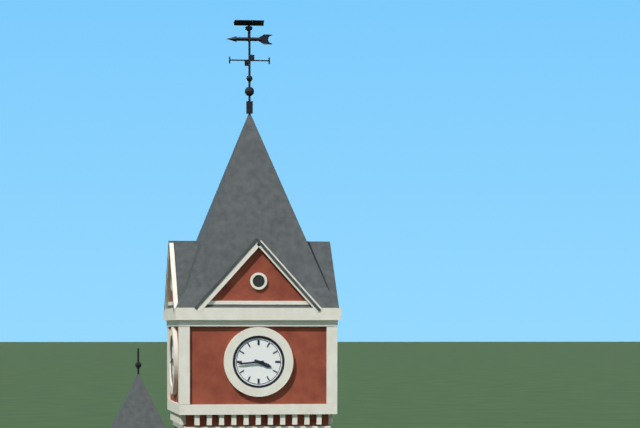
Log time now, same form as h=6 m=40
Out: h=3 m=44
